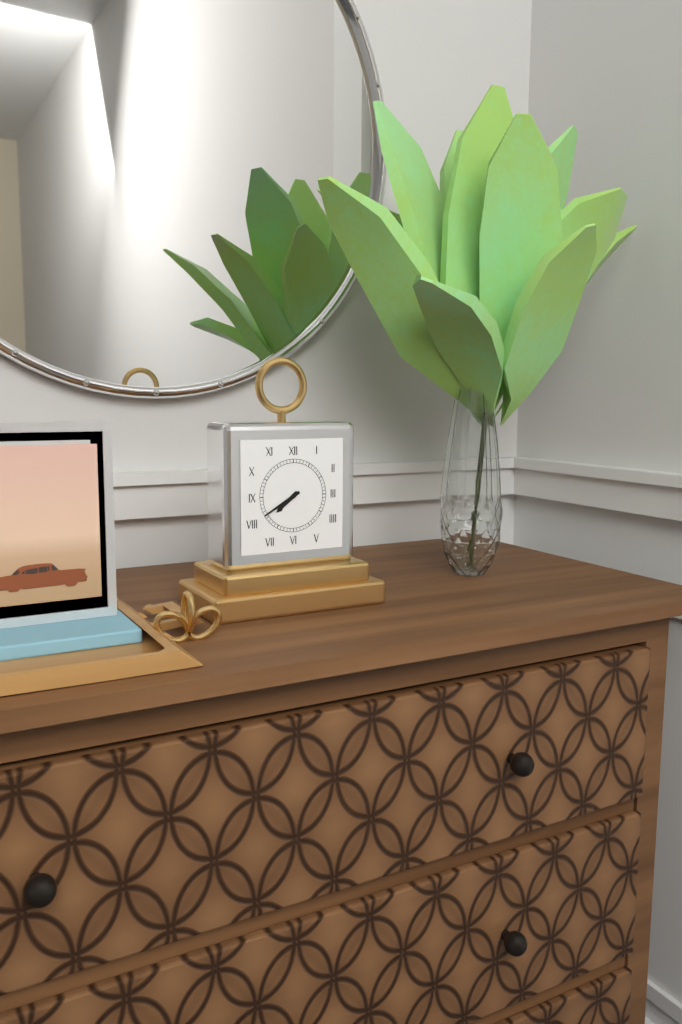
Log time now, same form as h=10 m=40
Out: h=7 m=40
